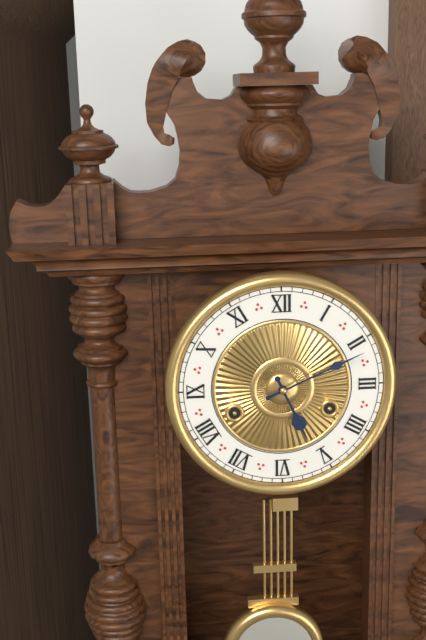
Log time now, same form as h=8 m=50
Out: h=5 m=11
